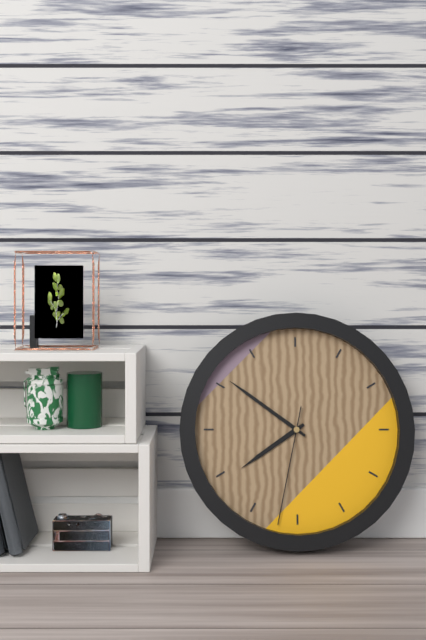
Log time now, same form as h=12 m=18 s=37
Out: h=7 m=51 s=32
